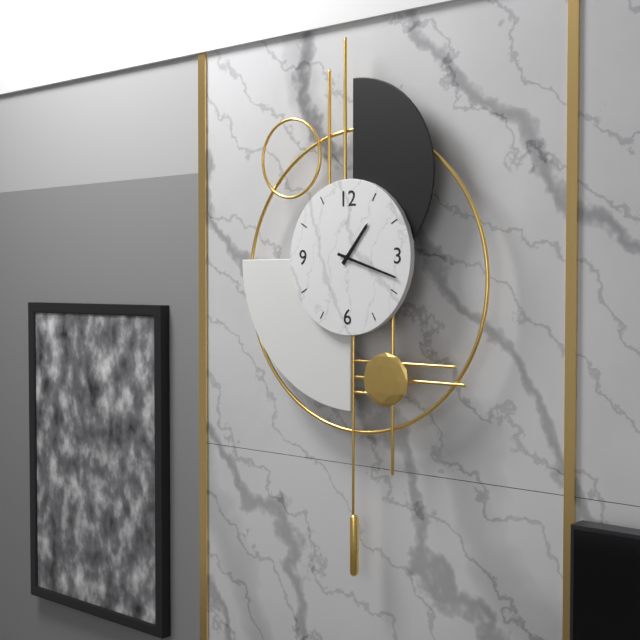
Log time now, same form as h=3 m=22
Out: h=1 m=18
